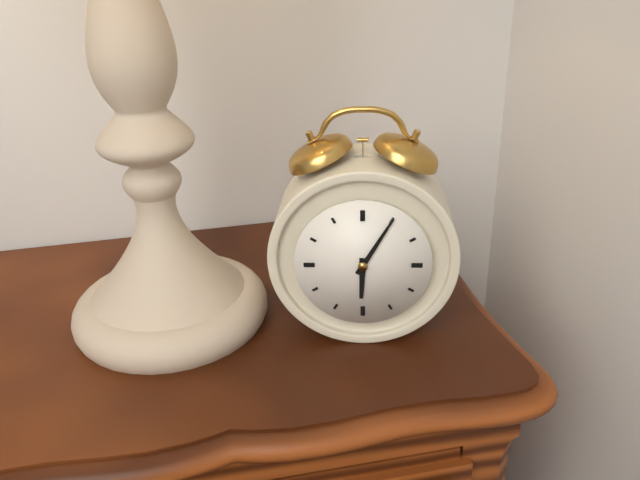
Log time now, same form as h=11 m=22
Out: h=6 m=5
